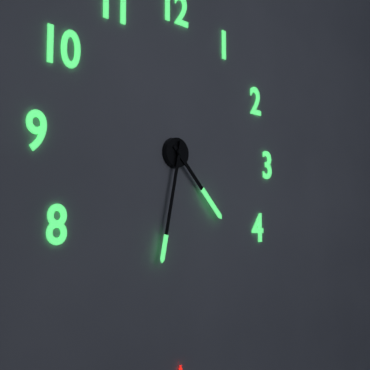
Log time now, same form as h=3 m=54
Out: h=4 m=32
